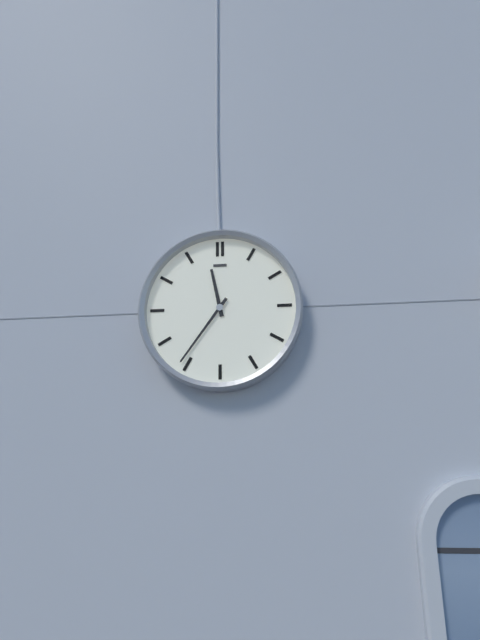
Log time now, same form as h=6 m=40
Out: h=11 m=36
